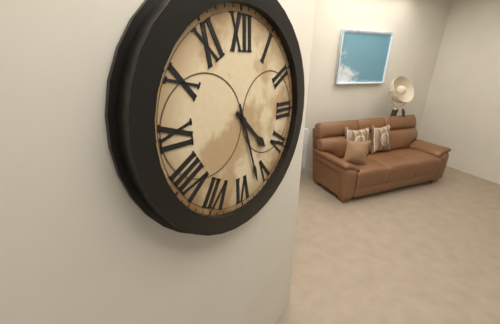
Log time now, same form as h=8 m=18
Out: h=4 m=27
